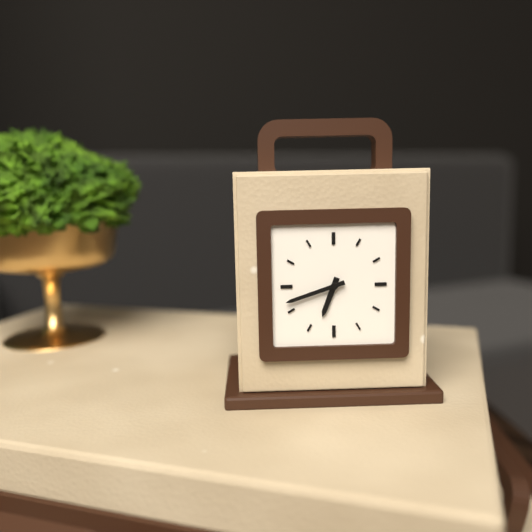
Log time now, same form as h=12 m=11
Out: h=6 m=42
